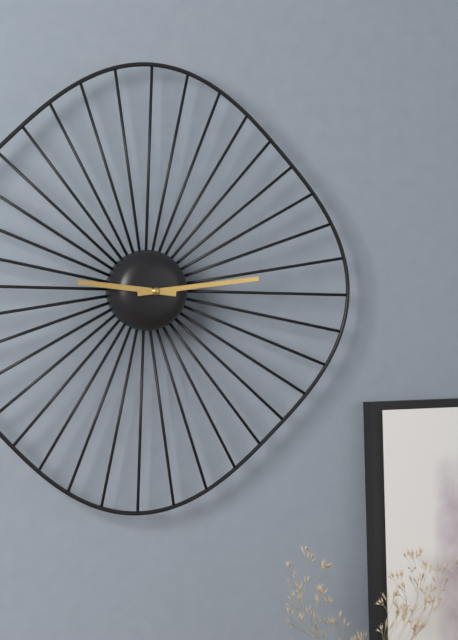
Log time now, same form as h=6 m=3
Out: h=9 m=14
